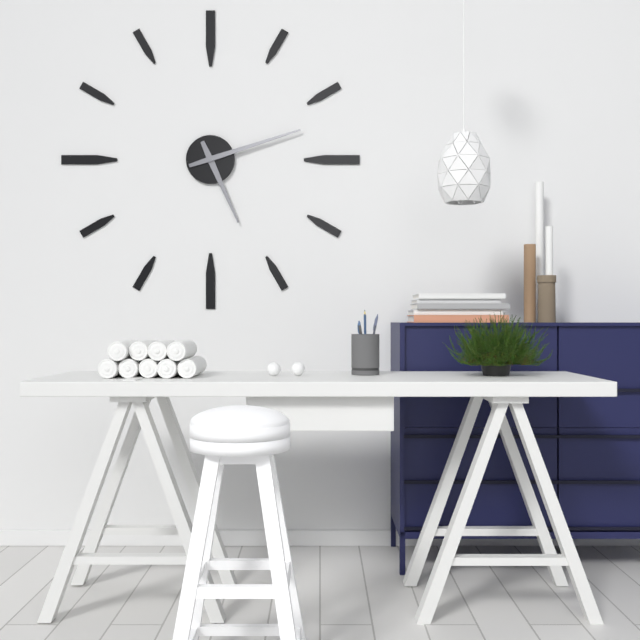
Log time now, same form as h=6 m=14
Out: h=5 m=12
